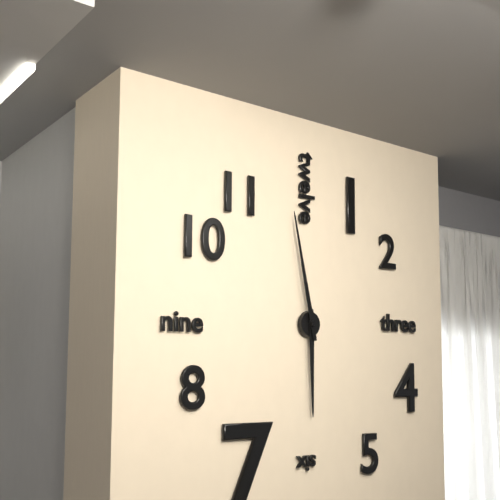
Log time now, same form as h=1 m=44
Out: h=5 m=58
